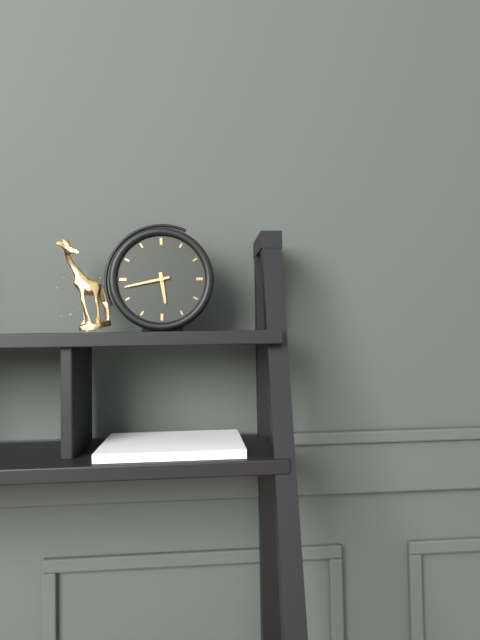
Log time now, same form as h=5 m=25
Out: h=5 m=43
